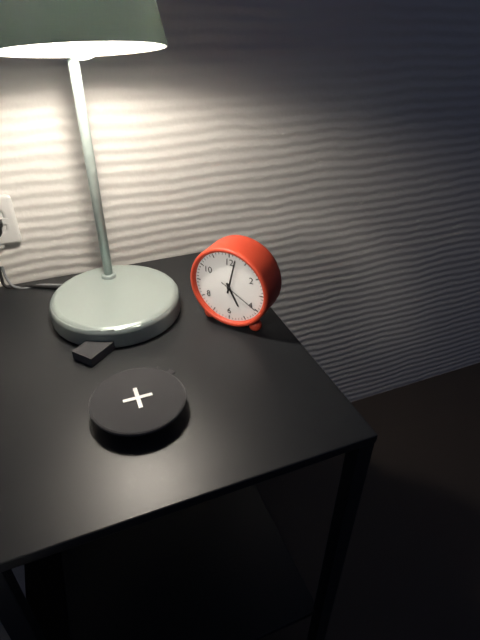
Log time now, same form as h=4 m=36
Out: h=5 m=2
